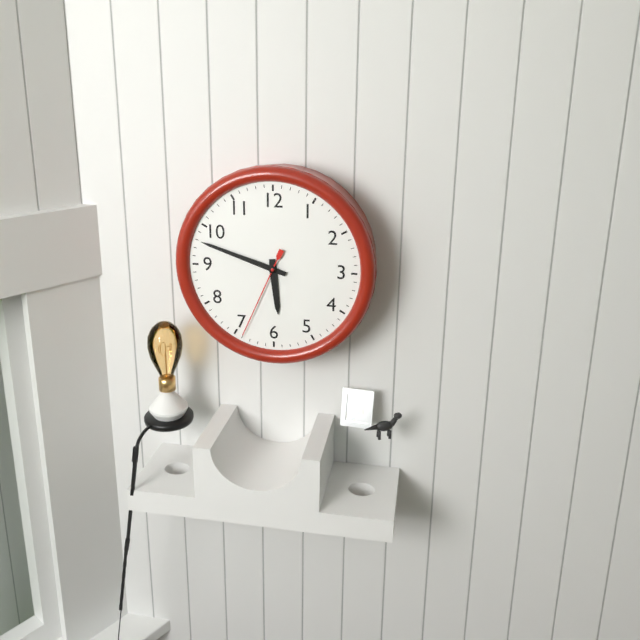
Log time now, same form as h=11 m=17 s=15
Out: h=5 m=48 s=34
